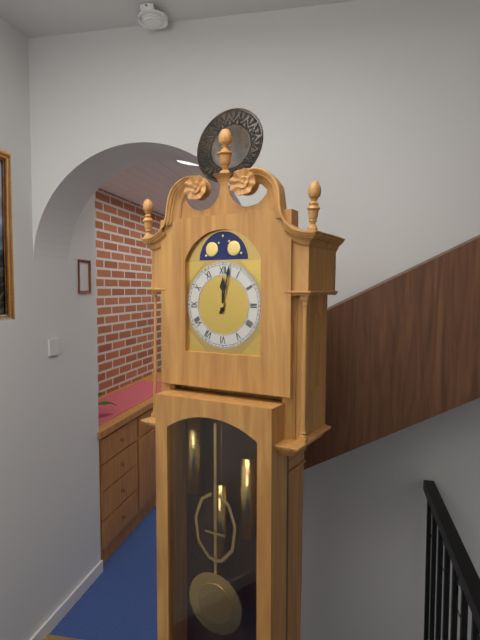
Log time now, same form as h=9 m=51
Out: h=12 m=2
